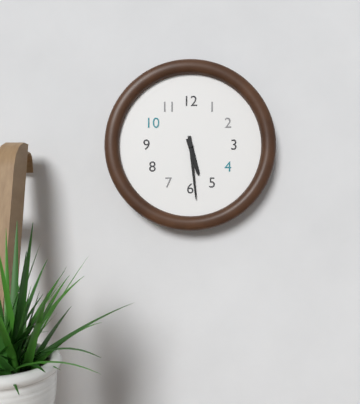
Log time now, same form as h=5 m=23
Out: h=5 m=29
